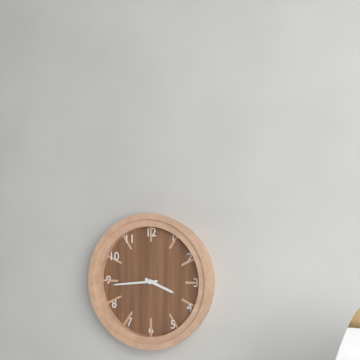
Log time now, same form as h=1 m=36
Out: h=3 m=44
